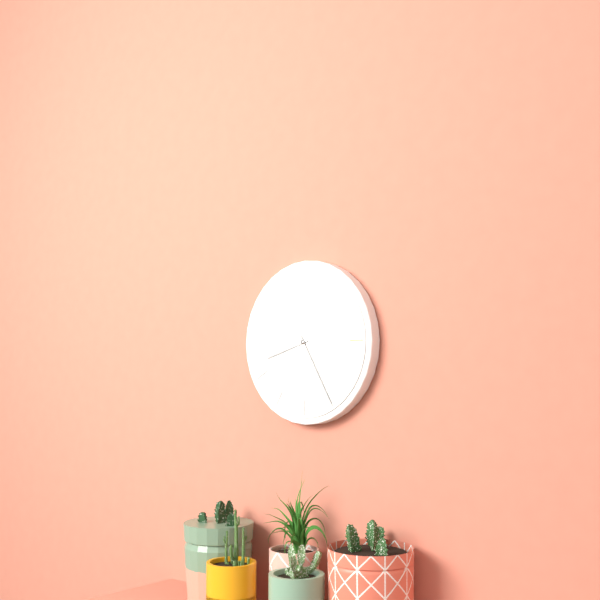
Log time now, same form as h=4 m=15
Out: h=8 m=25
